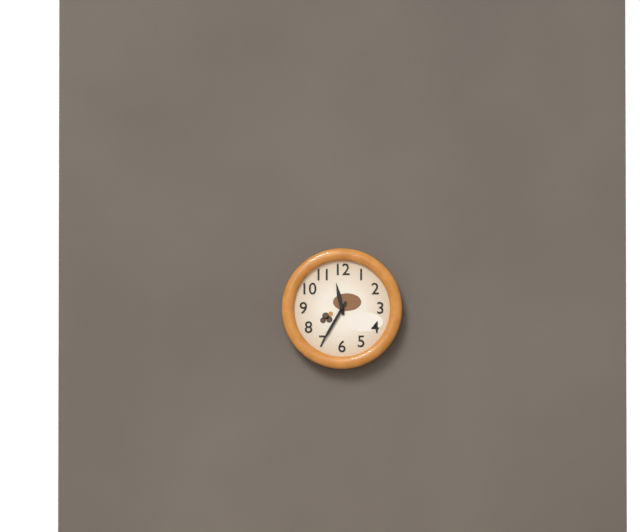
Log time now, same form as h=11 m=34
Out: h=11 m=35
